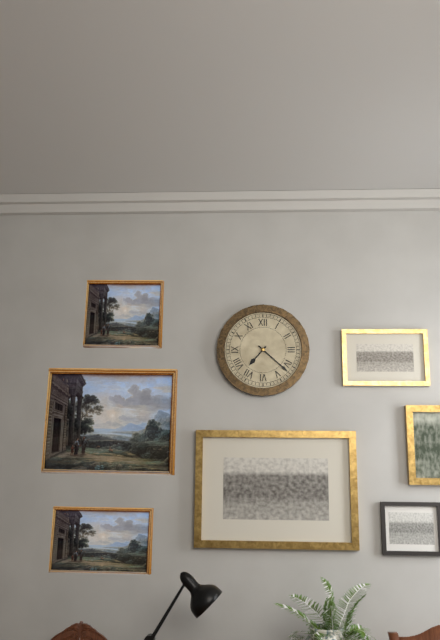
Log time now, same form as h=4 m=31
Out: h=7 m=22
